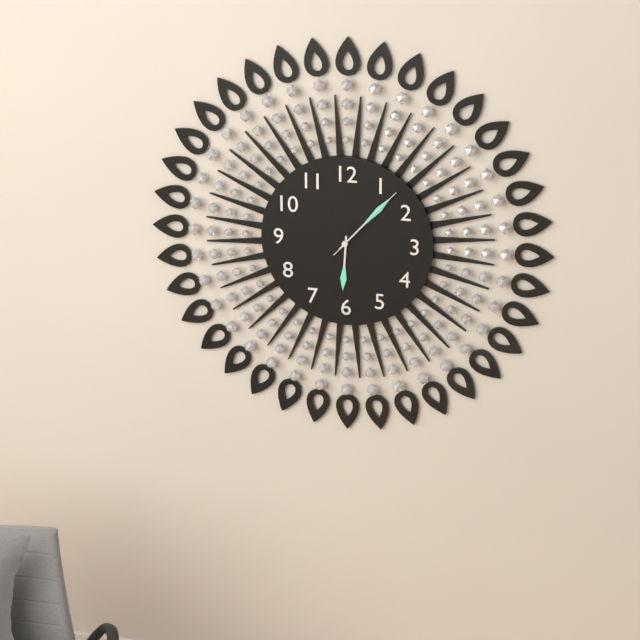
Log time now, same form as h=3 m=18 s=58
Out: h=6 m=7 s=7
